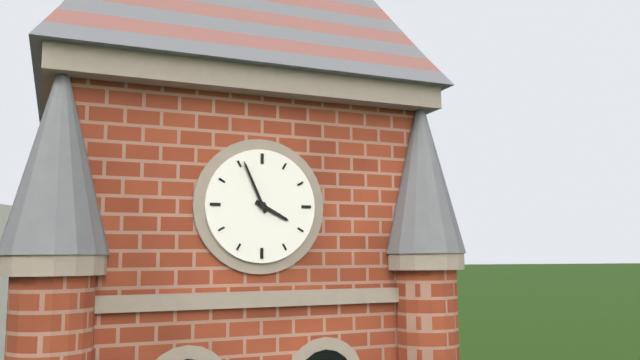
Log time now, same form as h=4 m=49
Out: h=3 m=56
